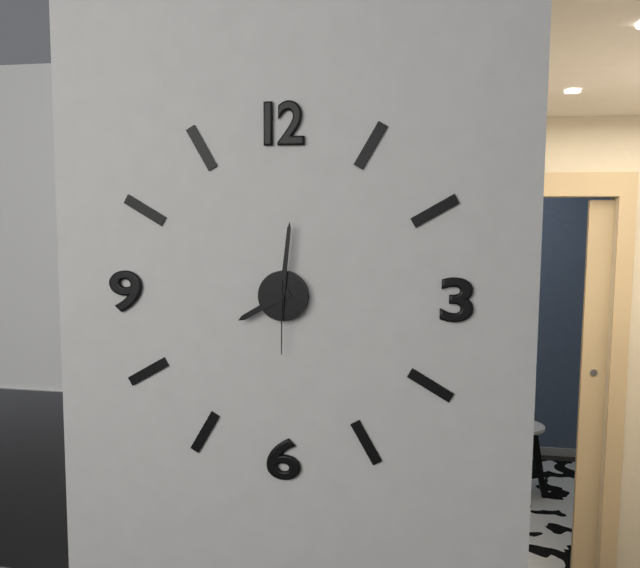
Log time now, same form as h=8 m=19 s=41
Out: h=8 m=1 s=30
